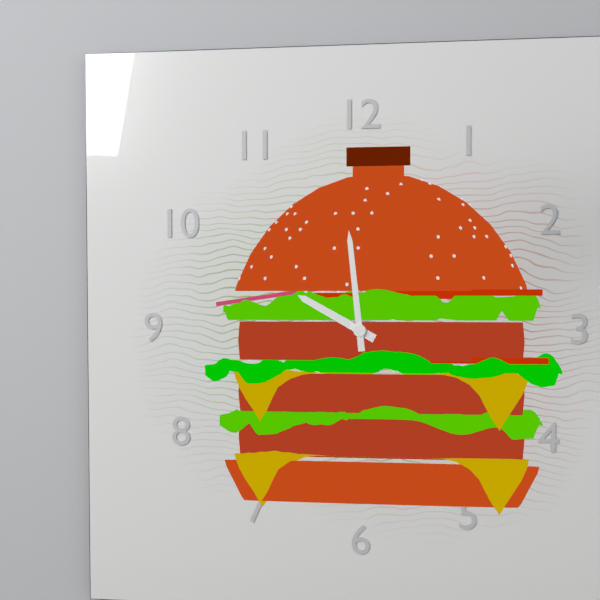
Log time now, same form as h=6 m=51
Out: h=9 m=59
